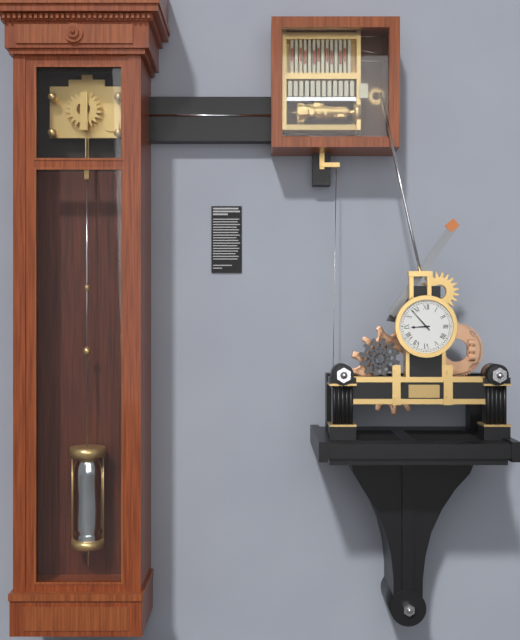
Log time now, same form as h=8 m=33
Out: h=8 m=53
